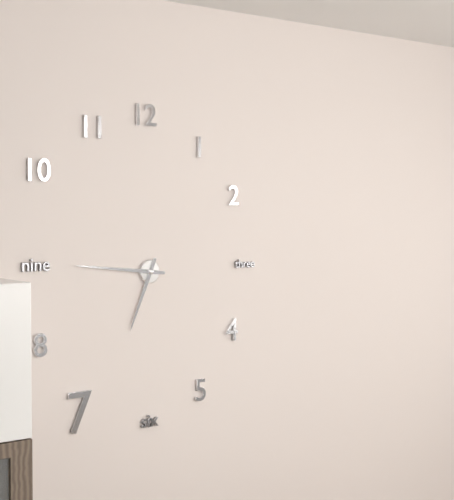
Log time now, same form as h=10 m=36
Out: h=6 m=46
